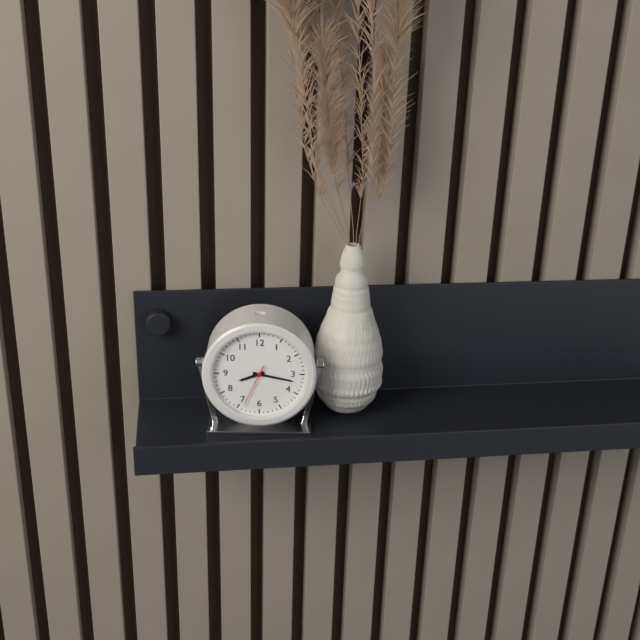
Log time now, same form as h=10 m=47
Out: h=8 m=17
